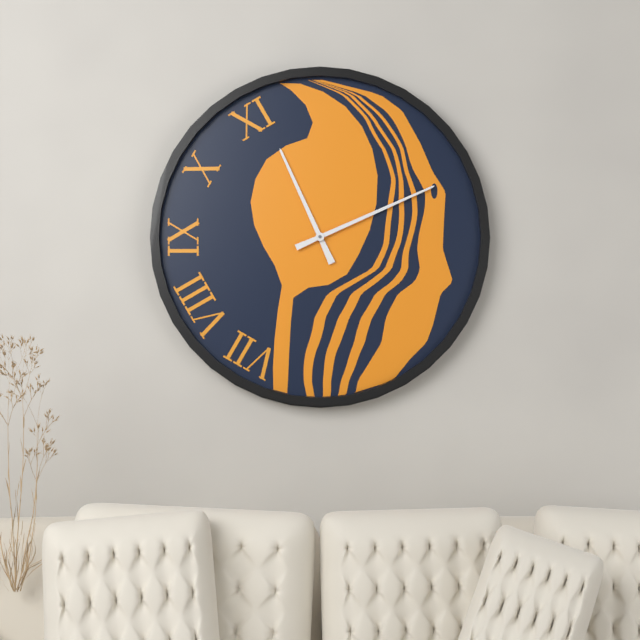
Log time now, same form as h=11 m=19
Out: h=11 m=11
